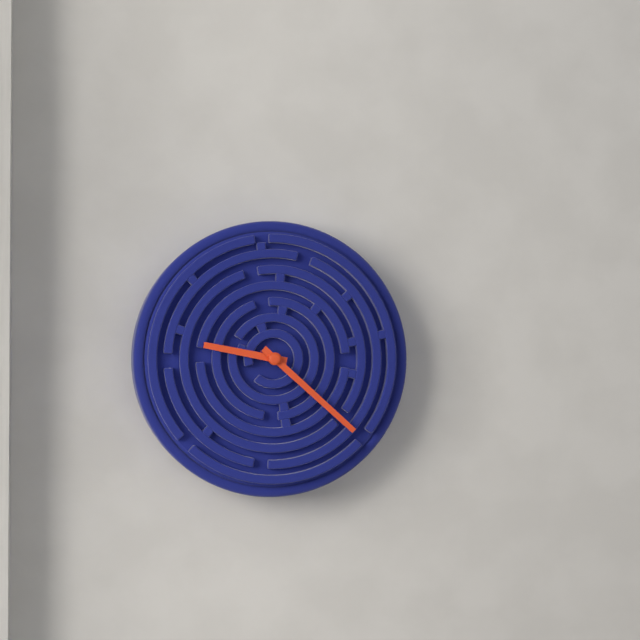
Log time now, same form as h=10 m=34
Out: h=9 m=22
